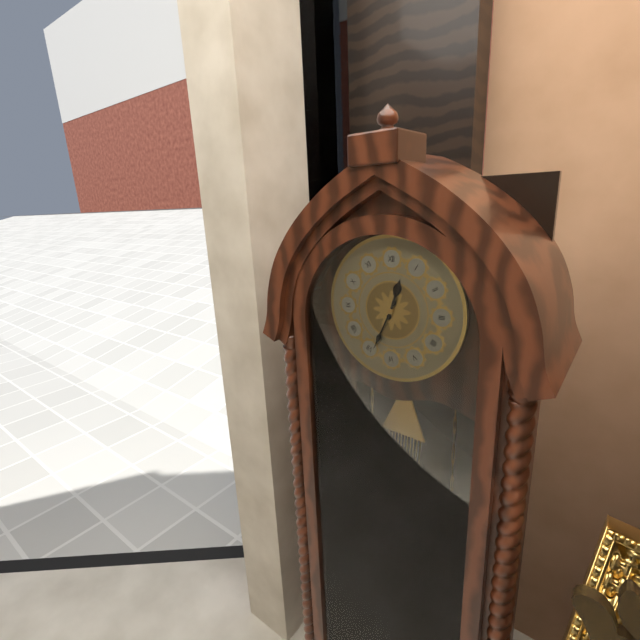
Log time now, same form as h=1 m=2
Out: h=12 m=34
